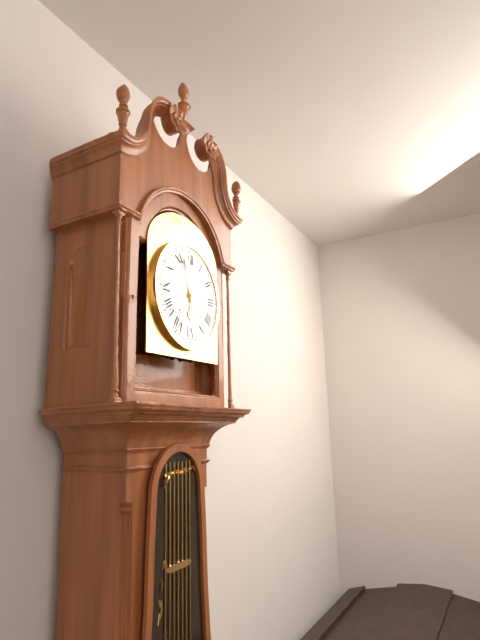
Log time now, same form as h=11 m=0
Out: h=5 m=58
